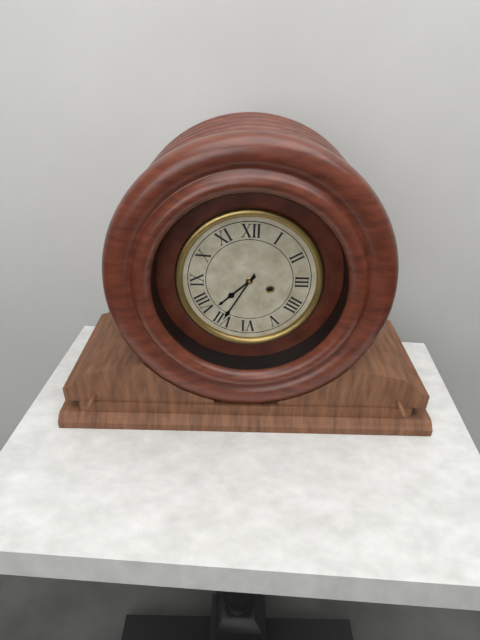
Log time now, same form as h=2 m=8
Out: h=7 m=35
